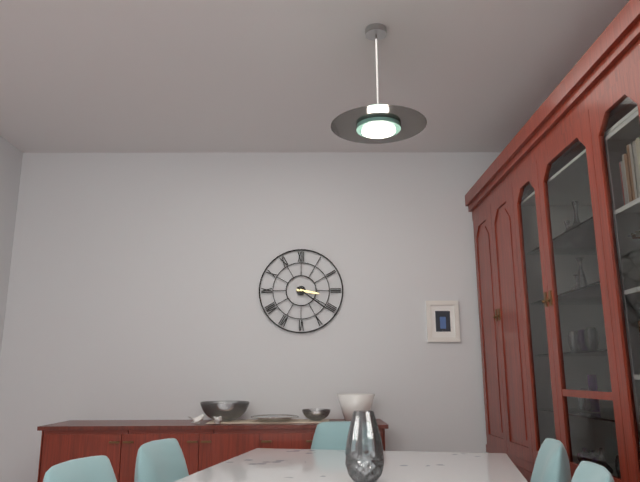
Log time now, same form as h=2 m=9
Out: h=3 m=21
